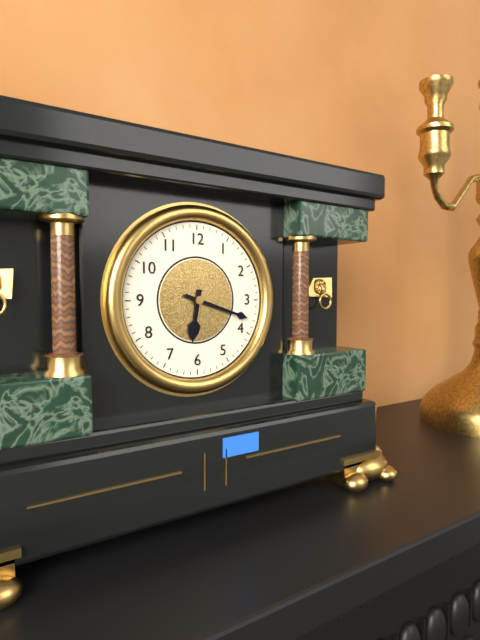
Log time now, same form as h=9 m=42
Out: h=6 m=18
